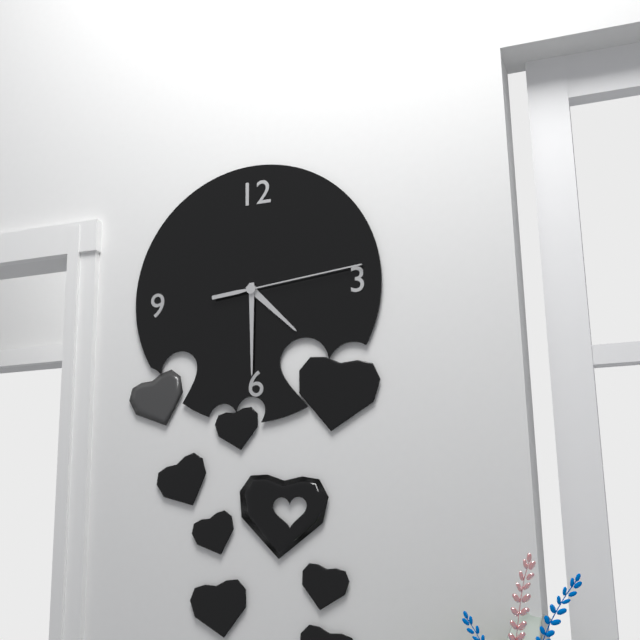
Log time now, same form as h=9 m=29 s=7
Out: h=4 m=30 s=14
